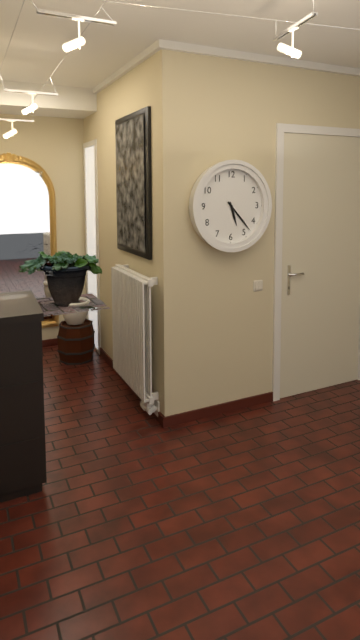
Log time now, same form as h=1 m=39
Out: h=5 m=23
